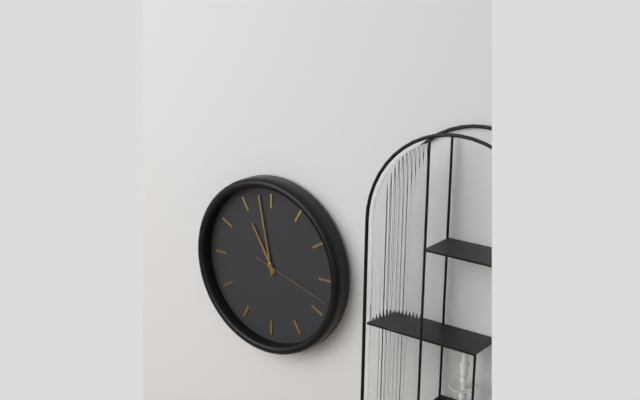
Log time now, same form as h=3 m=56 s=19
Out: h=10 m=58 s=18
